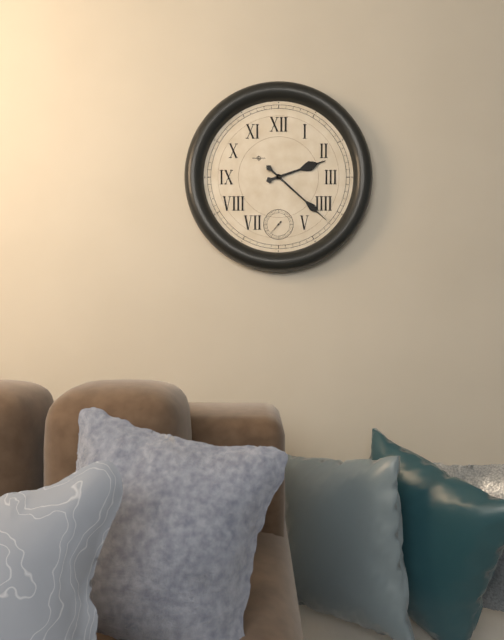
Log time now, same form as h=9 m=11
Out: h=2 m=22
